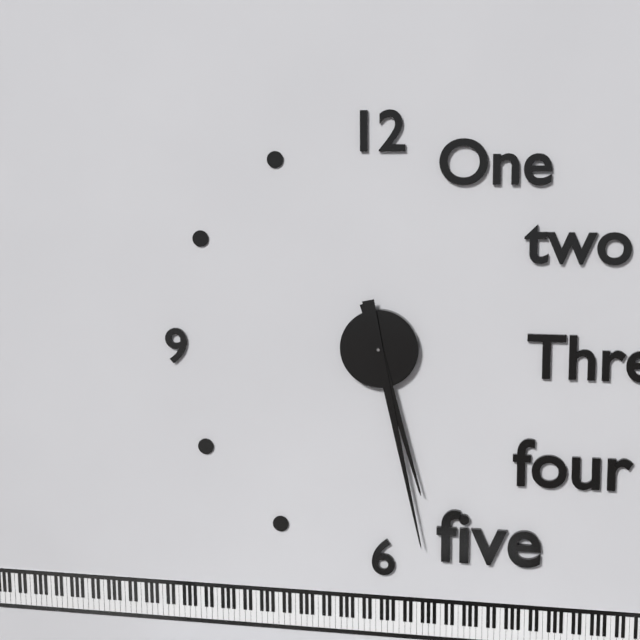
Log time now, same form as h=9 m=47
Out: h=5 m=28
